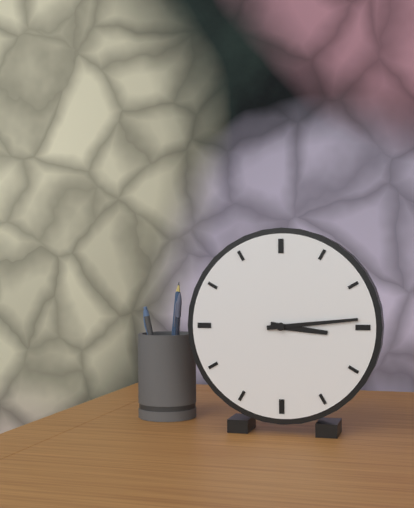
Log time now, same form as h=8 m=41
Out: h=3 m=14
